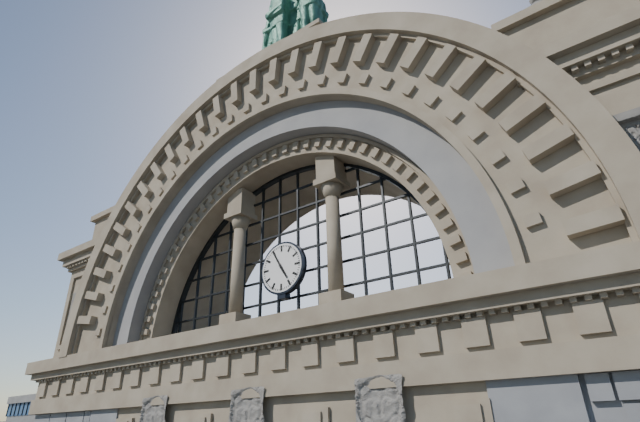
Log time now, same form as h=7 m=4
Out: h=4 m=55
